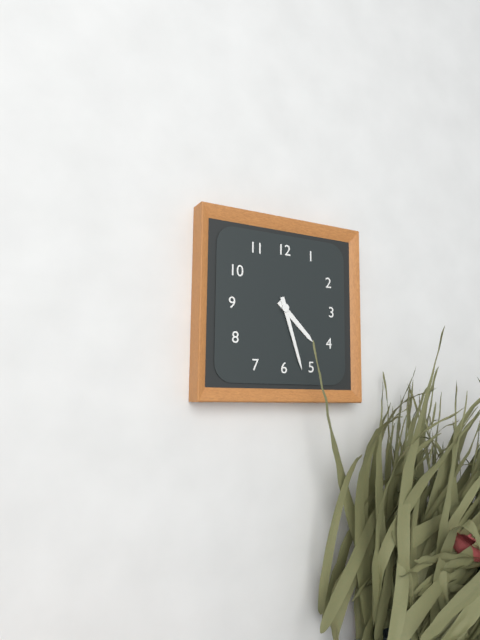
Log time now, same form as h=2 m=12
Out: h=4 m=27
